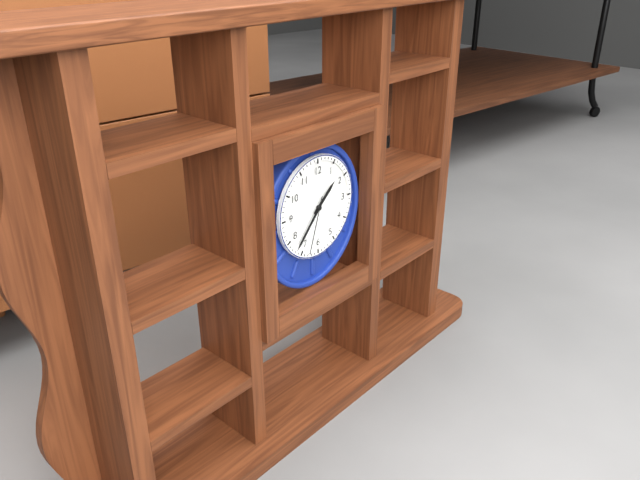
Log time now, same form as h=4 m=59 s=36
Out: h=1 m=37 s=33
